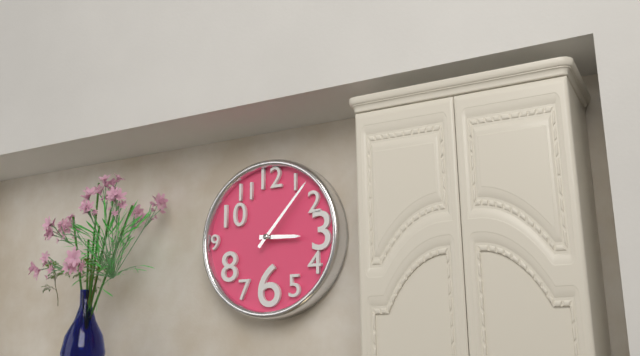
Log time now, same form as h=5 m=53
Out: h=3 m=7
